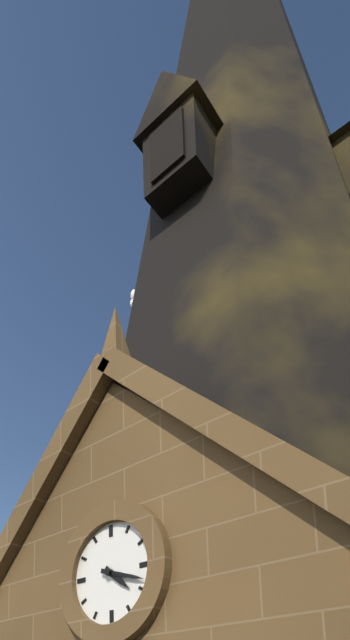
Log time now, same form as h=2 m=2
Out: h=4 m=18
